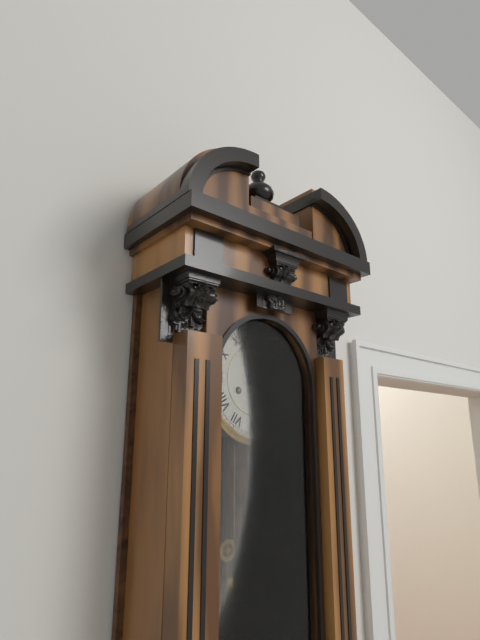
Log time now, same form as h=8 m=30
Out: h=2 m=22
